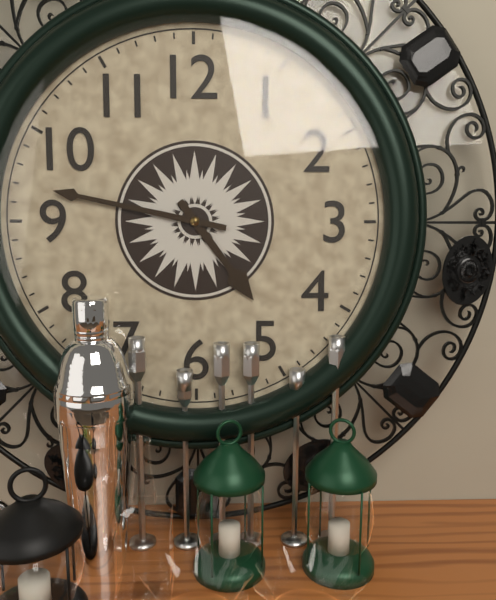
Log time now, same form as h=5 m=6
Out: h=4 m=47
